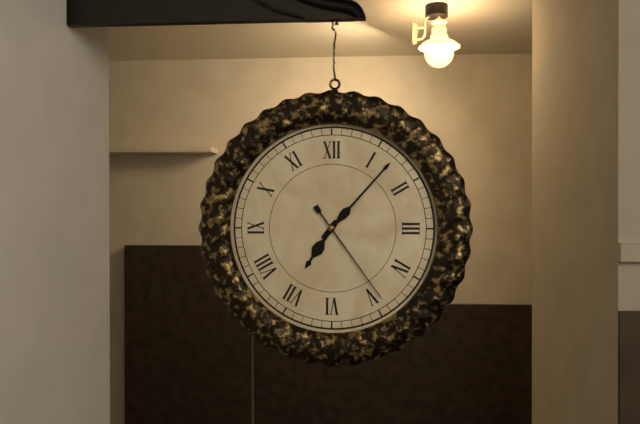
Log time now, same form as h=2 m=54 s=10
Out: h=7 m=7 s=24
